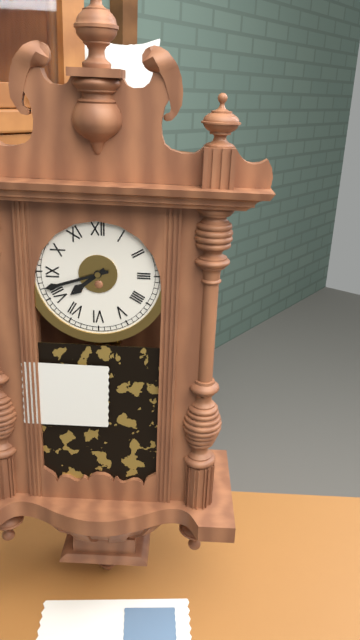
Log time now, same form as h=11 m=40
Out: h=7 m=42
